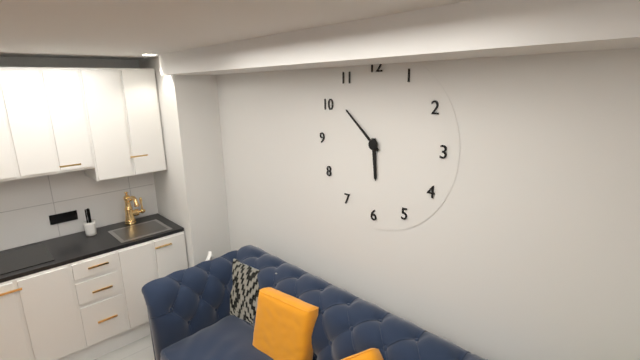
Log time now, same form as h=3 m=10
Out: h=5 m=52
